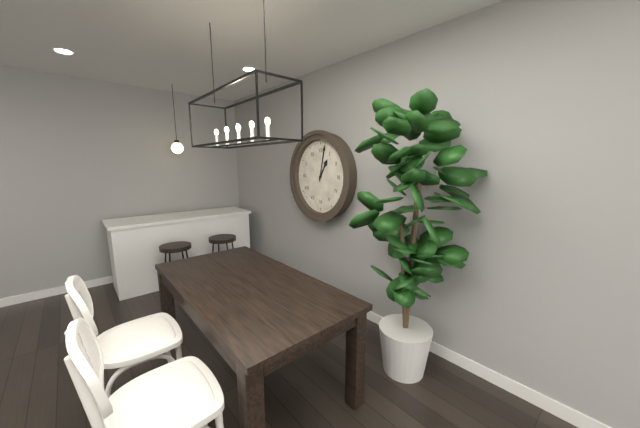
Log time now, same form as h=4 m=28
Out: h=1 m=2
